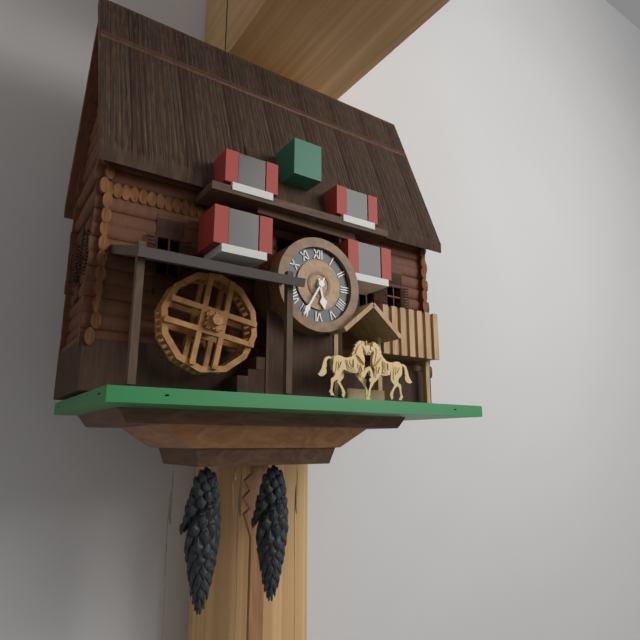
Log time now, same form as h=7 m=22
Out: h=5 m=35
